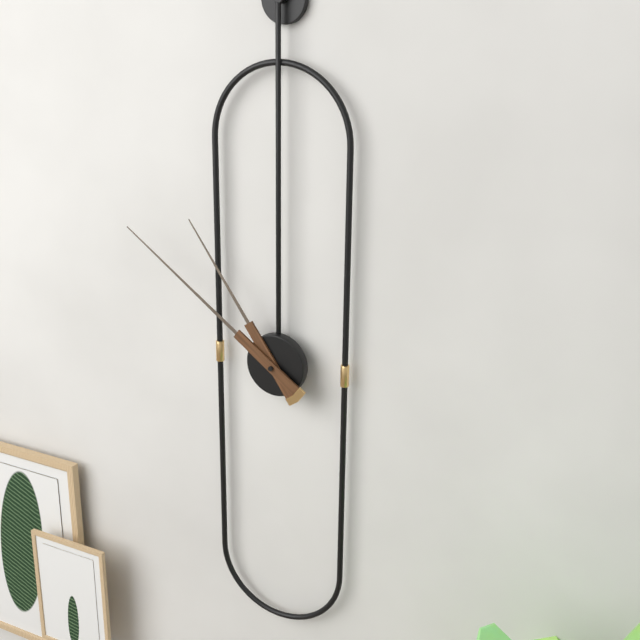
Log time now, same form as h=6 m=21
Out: h=10 m=51
